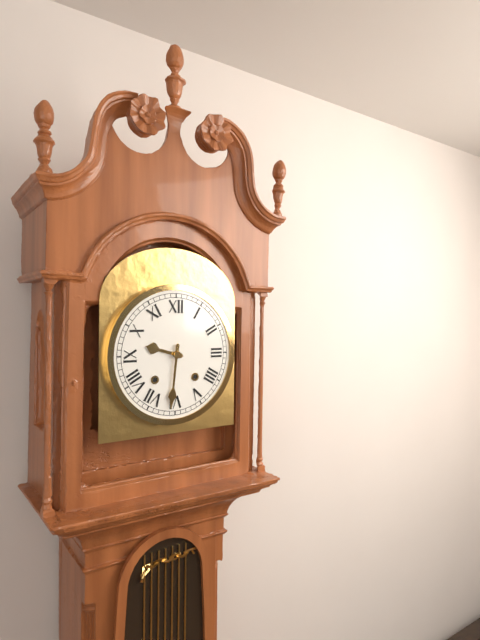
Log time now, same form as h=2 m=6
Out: h=9 m=31
